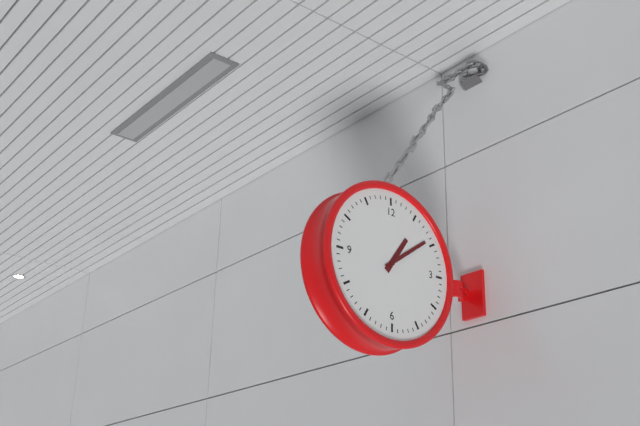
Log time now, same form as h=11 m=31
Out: h=1 m=9
